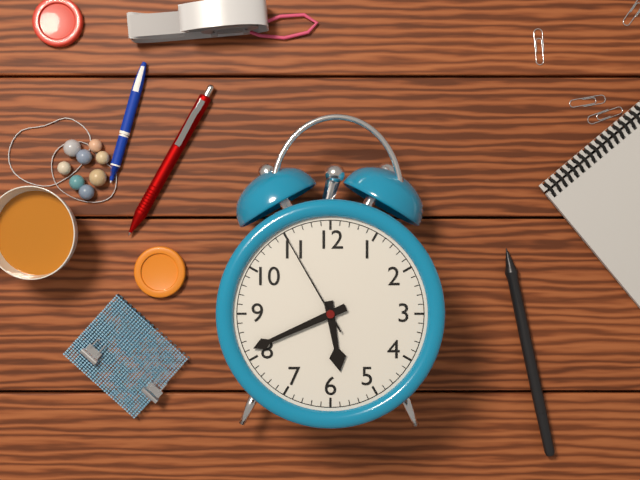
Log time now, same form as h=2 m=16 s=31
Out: h=5 m=41 s=55
